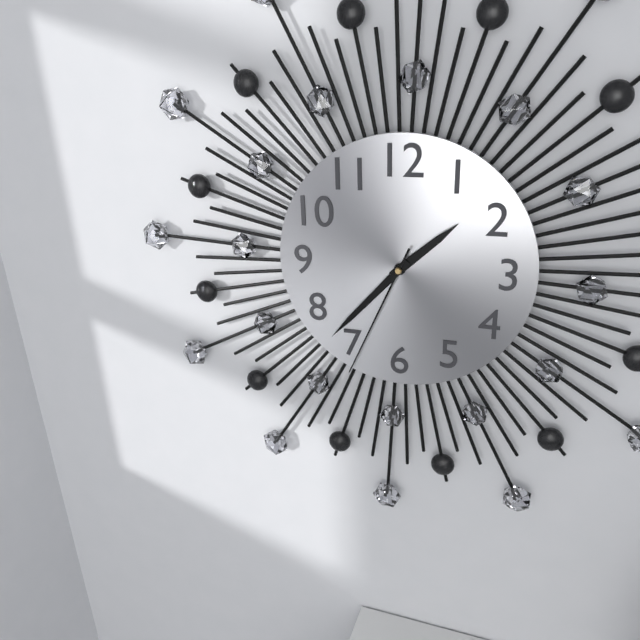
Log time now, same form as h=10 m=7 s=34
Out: h=1 m=37 s=34
